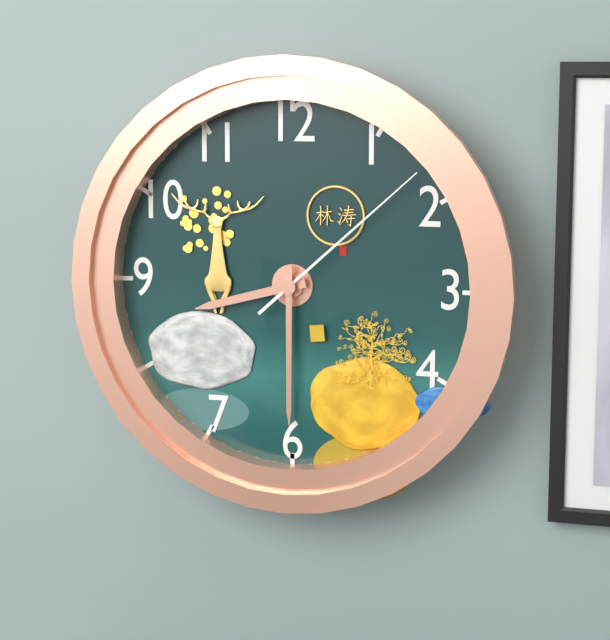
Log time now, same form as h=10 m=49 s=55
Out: h=8 m=30 s=8
